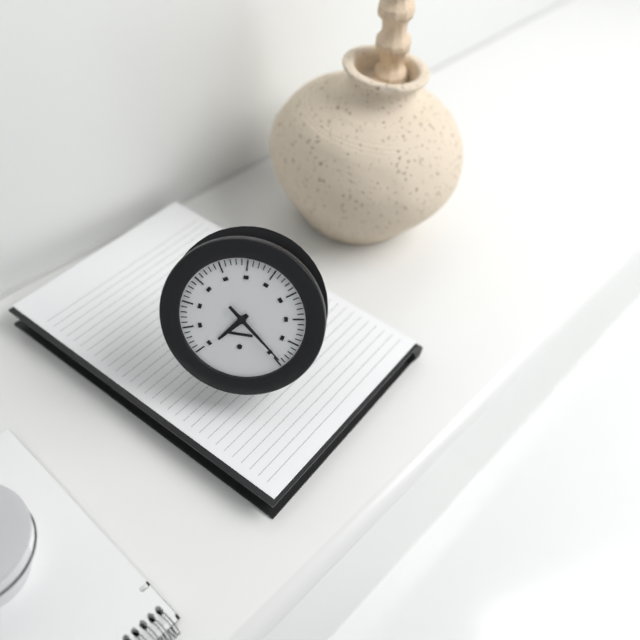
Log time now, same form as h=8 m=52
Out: h=7 m=22
